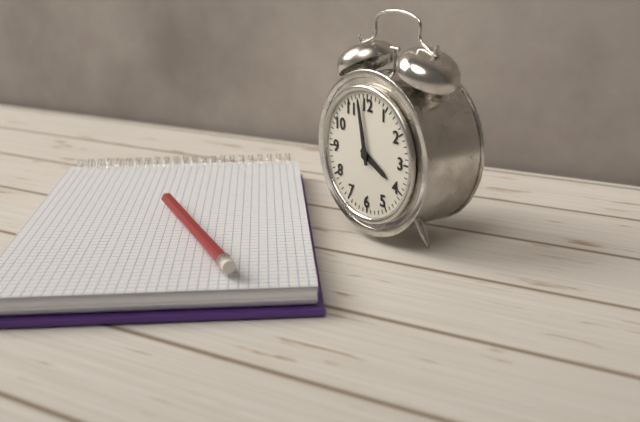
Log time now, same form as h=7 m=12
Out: h=3 m=58
